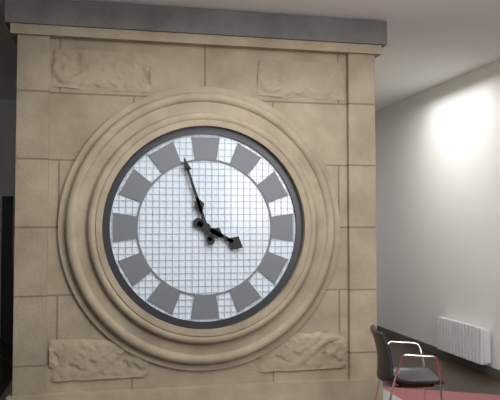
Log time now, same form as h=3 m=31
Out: h=3 m=57
